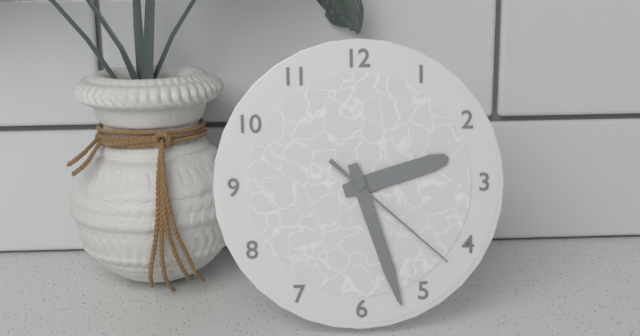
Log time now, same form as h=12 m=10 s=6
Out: h=2 m=27 s=22
